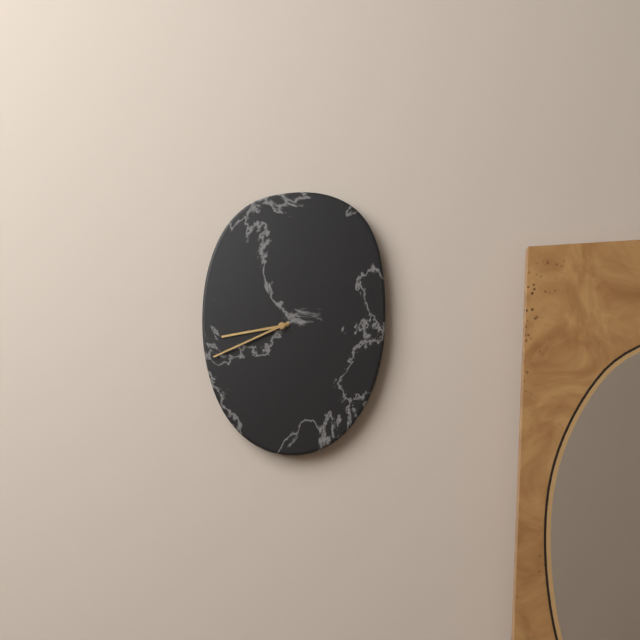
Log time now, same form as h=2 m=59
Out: h=8 m=41
